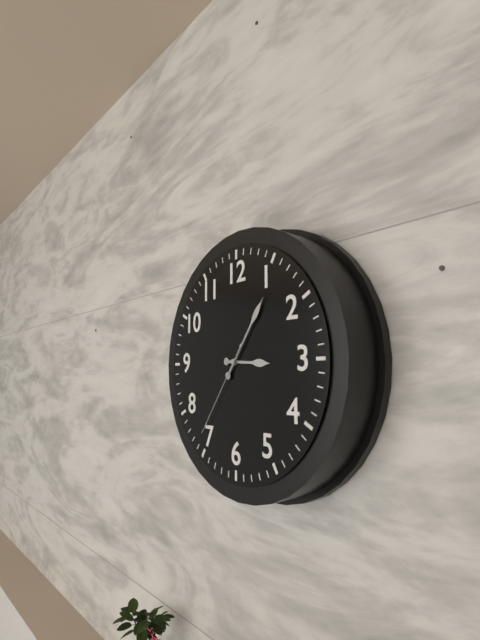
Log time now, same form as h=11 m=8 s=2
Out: h=3 m=6 s=36
